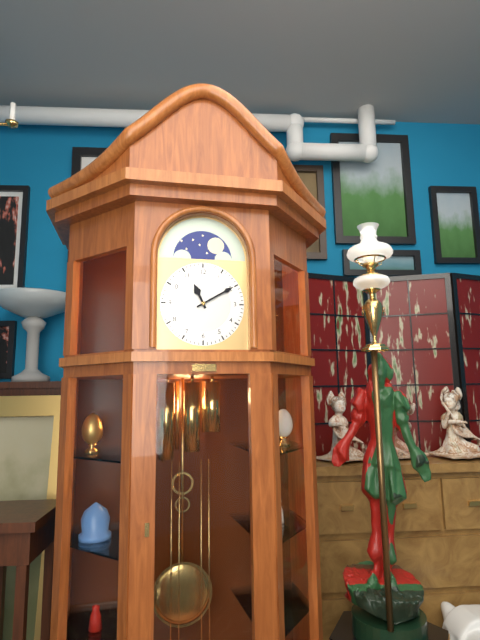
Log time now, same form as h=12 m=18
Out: h=11 m=10
